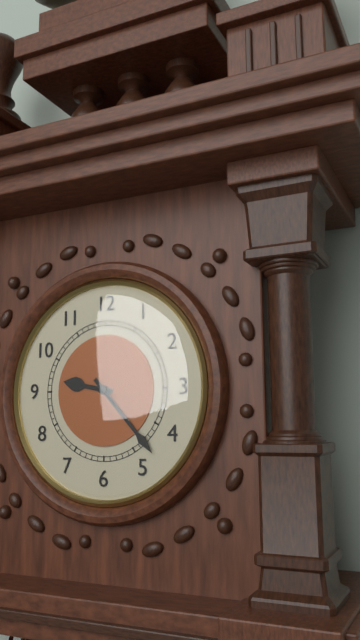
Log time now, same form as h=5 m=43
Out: h=9 m=23
